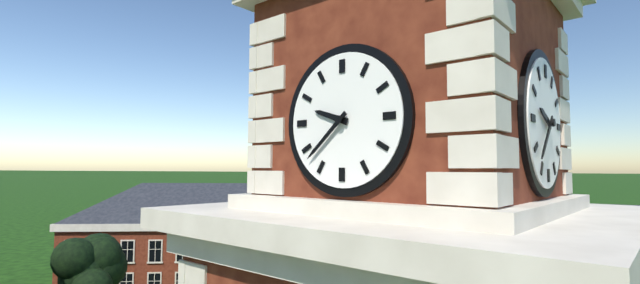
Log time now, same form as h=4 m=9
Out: h=9 m=38
